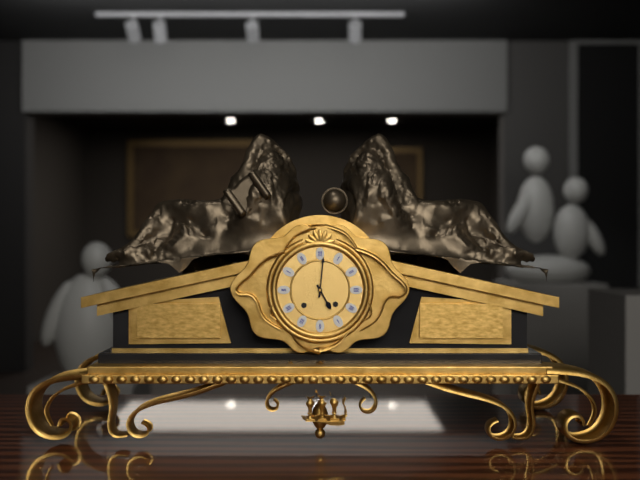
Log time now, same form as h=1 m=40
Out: h=5 m=1
